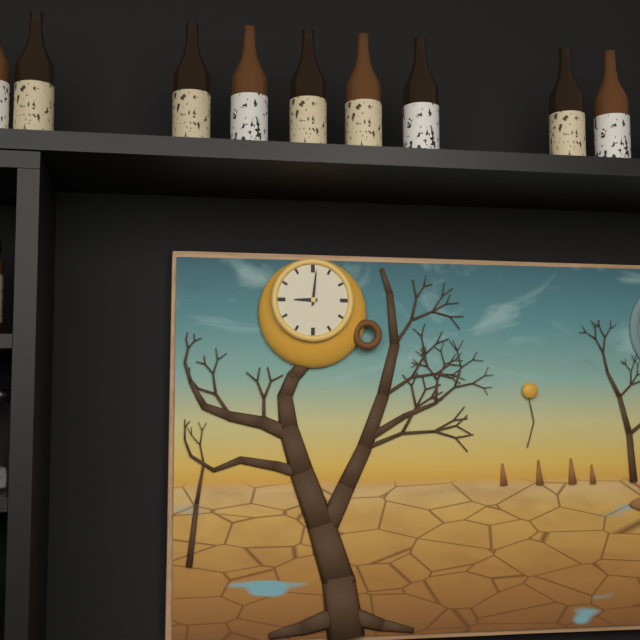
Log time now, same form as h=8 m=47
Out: h=9 m=1
